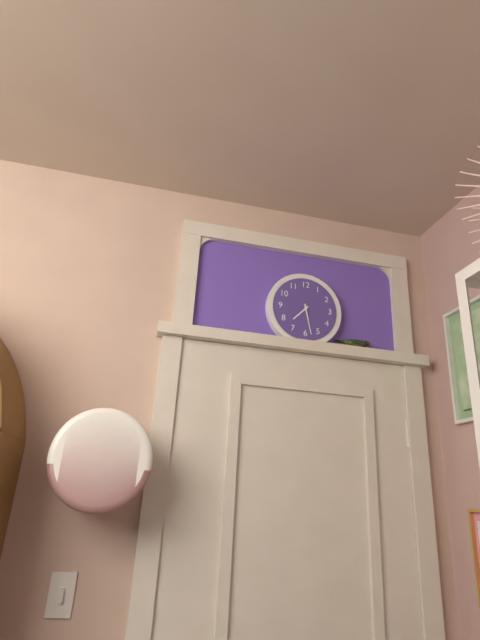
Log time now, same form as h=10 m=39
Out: h=7 m=28
